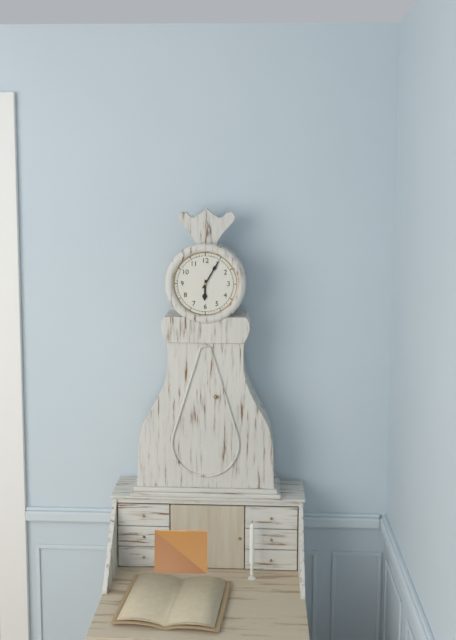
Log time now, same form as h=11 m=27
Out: h=6 m=5
